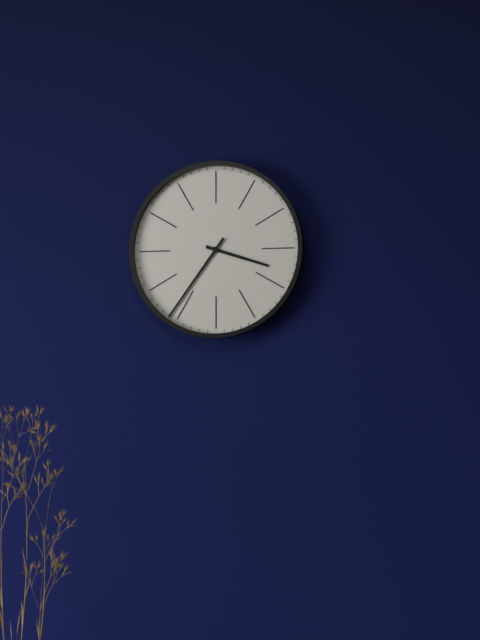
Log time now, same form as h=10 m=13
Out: h=3 m=36
